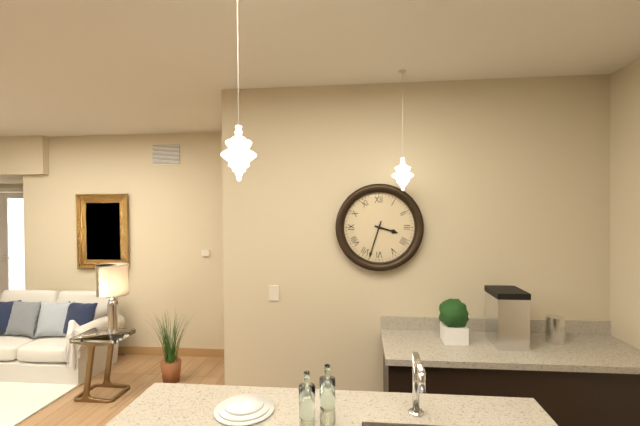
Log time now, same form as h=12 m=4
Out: h=3 m=33
